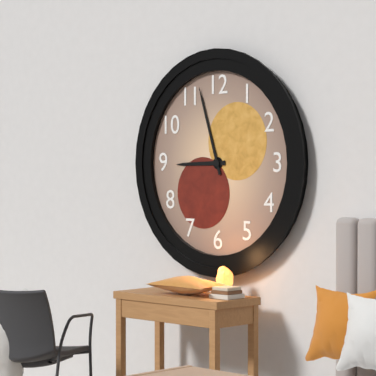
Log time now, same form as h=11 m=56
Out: h=8 m=57
